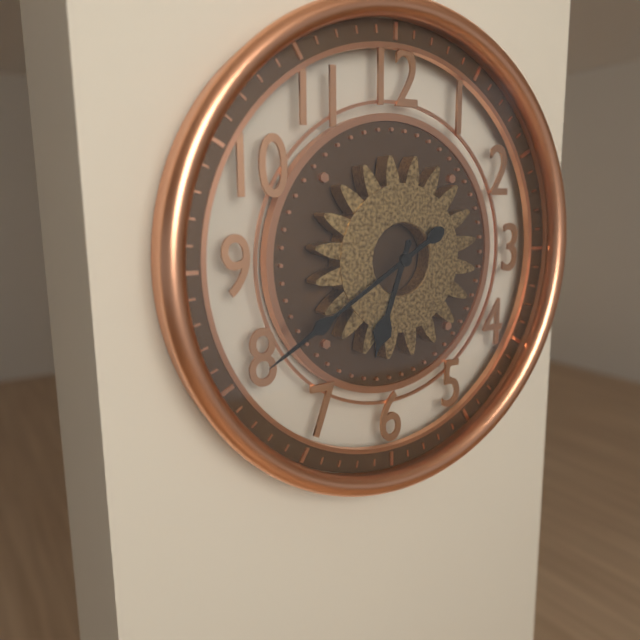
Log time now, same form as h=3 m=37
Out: h=6 m=40
